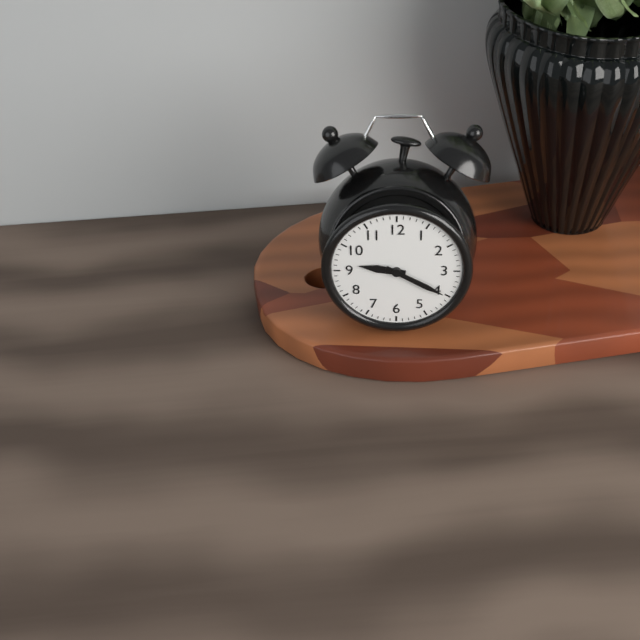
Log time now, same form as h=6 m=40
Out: h=9 m=20
